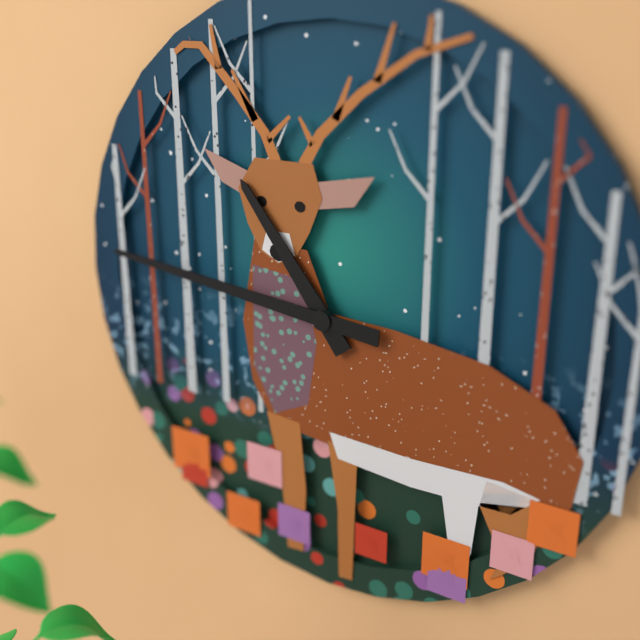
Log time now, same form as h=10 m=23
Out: h=10 m=46
